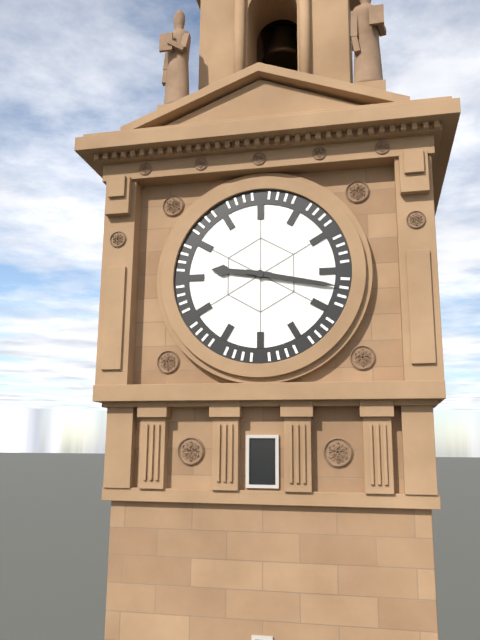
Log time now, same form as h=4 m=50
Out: h=9 m=17
